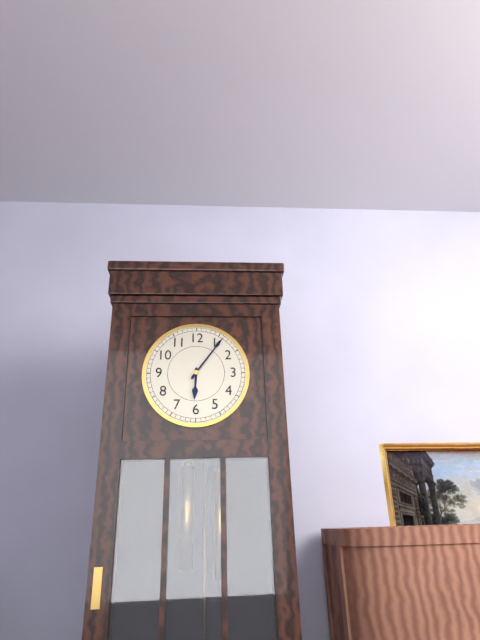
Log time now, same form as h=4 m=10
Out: h=6 m=6
